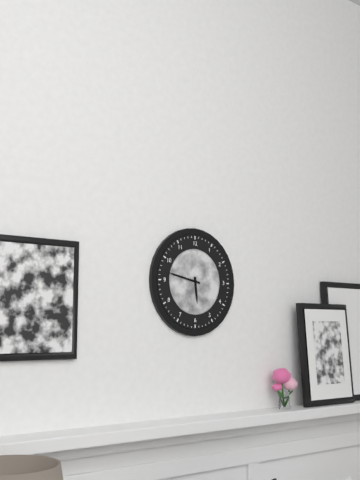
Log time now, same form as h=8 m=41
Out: h=5 m=47
